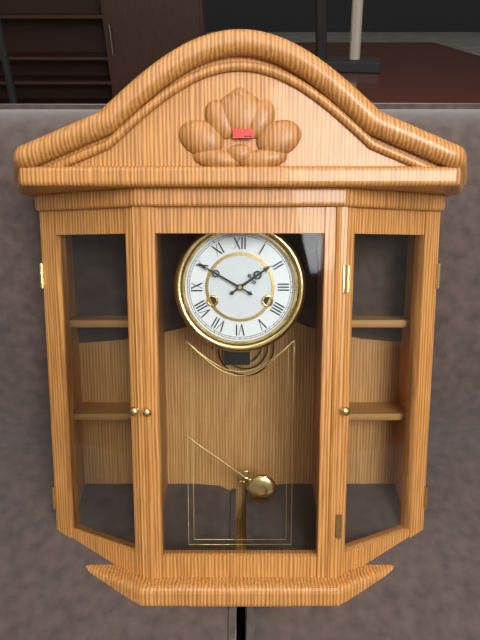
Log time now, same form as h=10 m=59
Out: h=1 m=50
